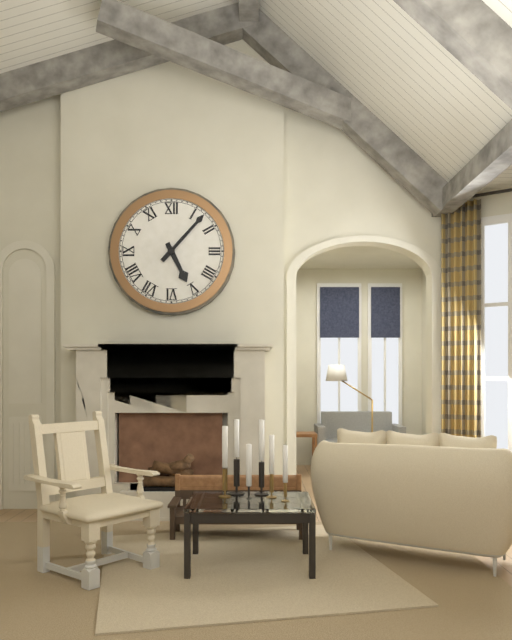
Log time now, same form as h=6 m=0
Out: h=5 m=7
